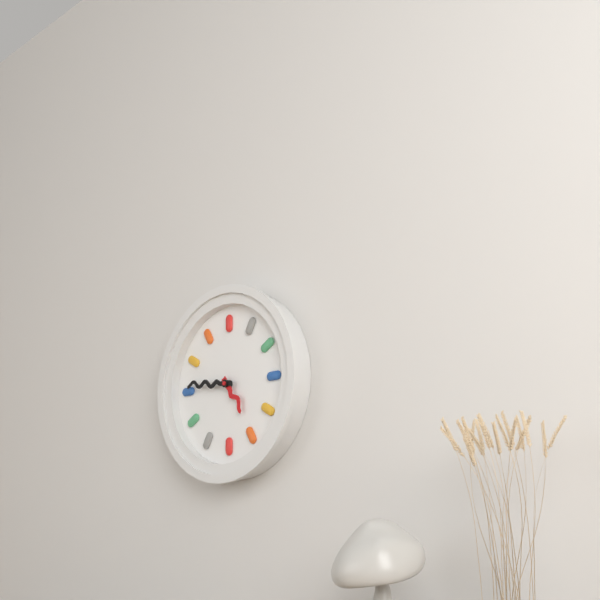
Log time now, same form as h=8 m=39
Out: h=4 m=46
